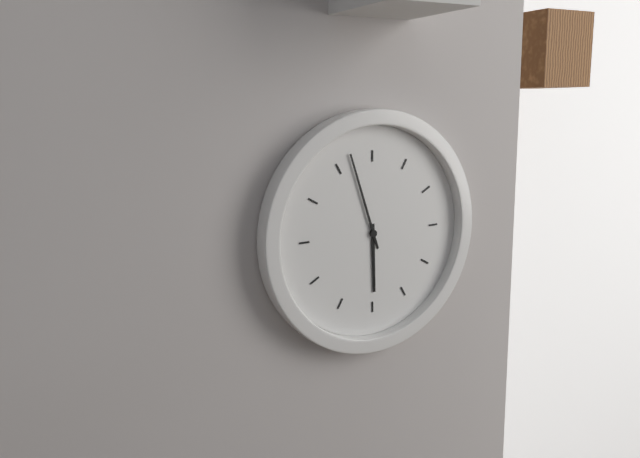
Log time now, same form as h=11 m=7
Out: h=5 m=57
